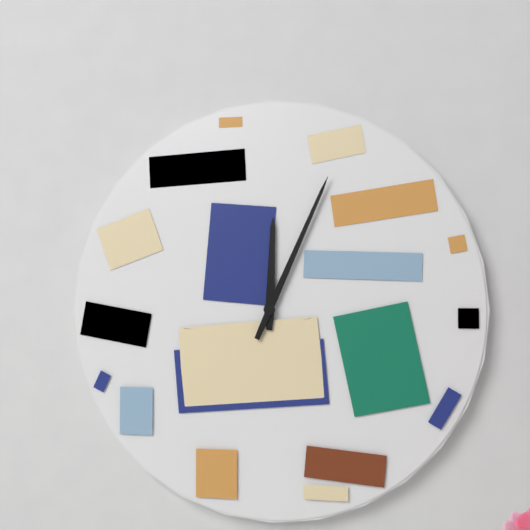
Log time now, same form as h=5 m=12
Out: h=12 m=4
